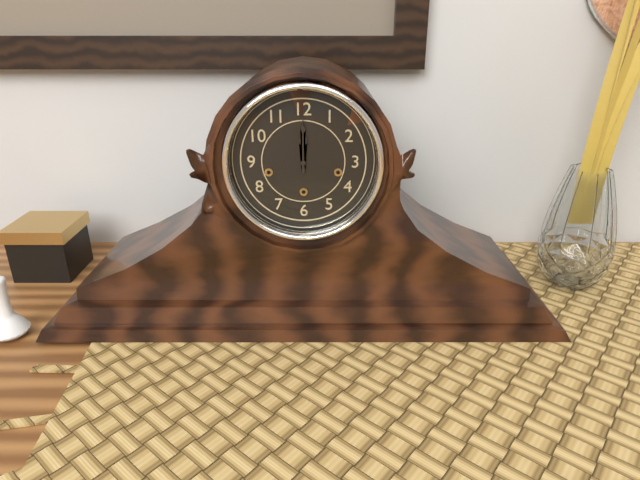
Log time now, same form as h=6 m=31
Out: h=12 m=0
